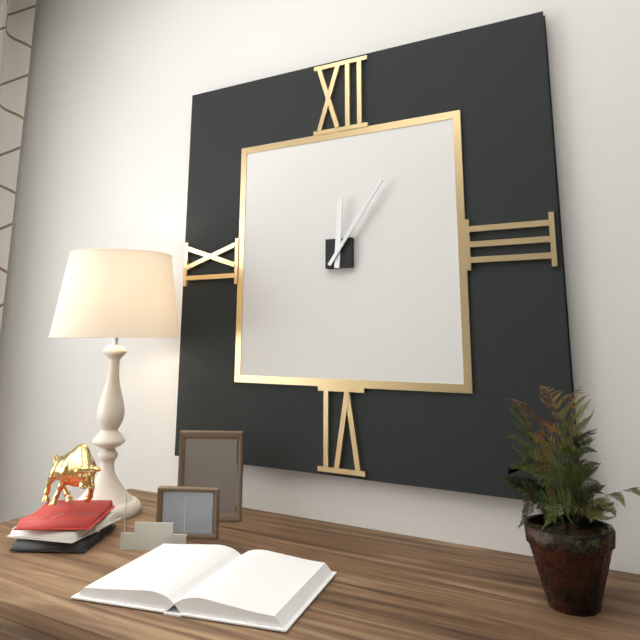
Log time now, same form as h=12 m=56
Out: h=12 m=6
